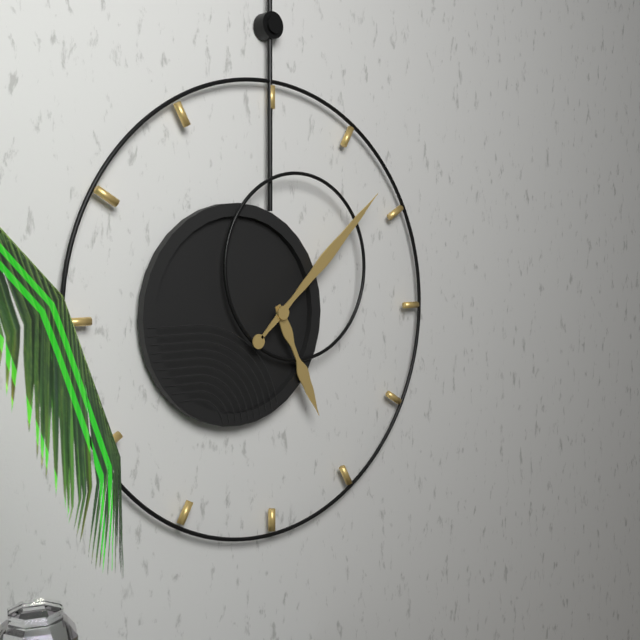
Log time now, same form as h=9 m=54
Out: h=5 m=8
